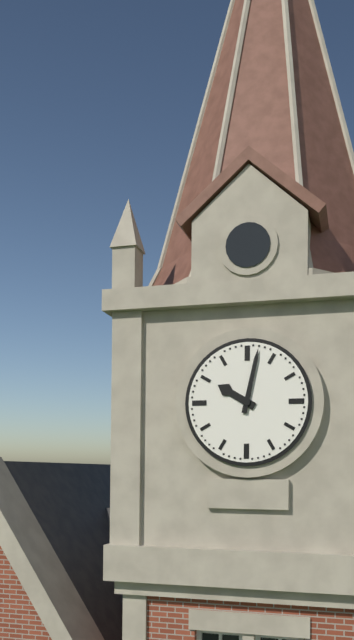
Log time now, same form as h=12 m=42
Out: h=10 m=2
